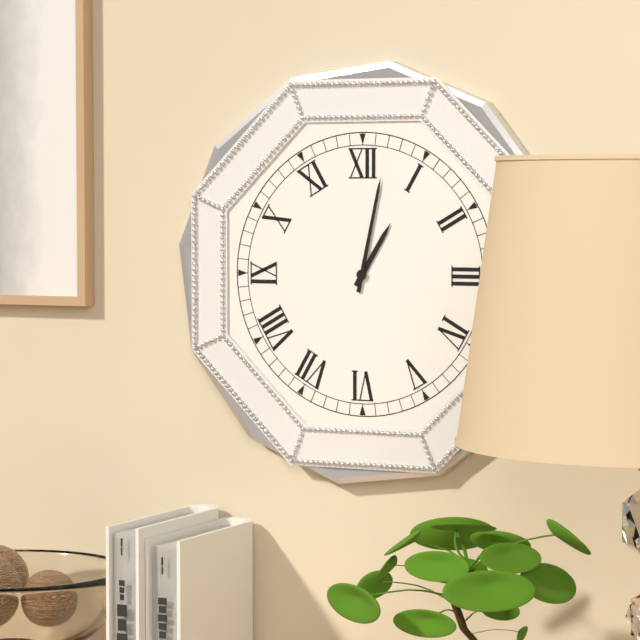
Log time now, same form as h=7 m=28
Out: h=1 m=2
